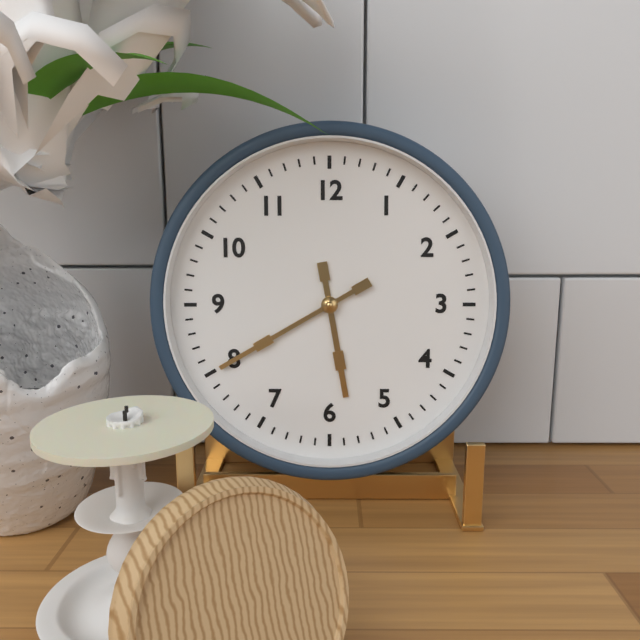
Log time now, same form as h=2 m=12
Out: h=5 m=40
